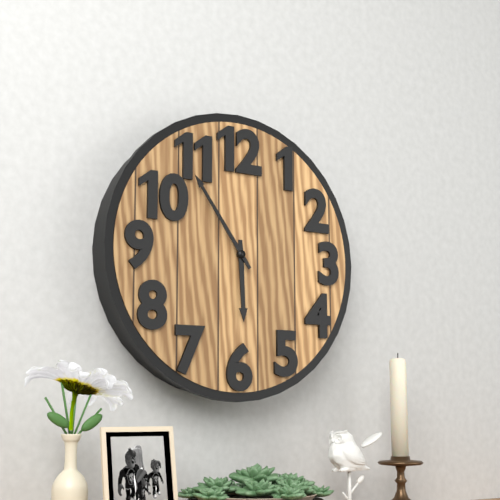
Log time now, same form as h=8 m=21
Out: h=5 m=54
